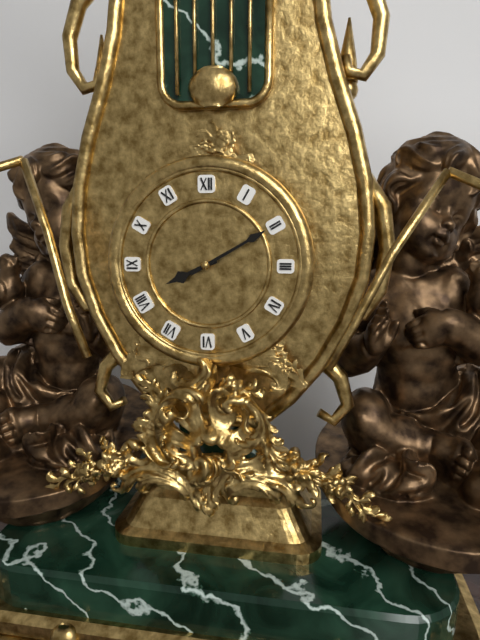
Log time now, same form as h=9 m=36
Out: h=8 m=10
